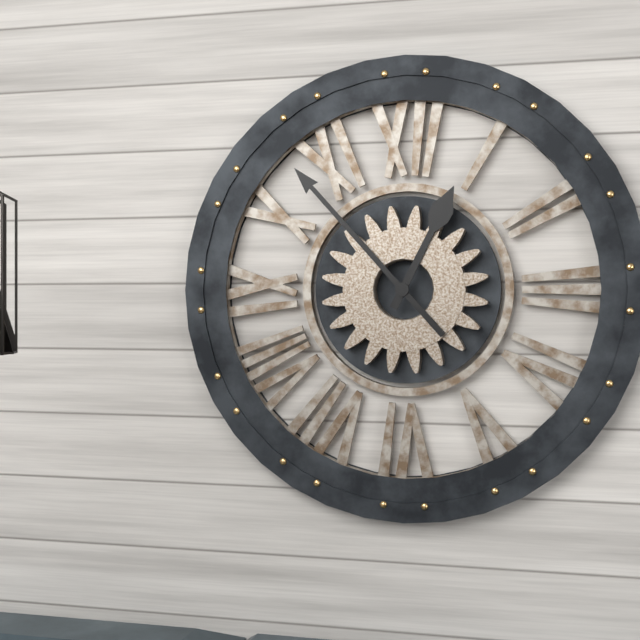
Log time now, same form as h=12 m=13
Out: h=12 m=53
